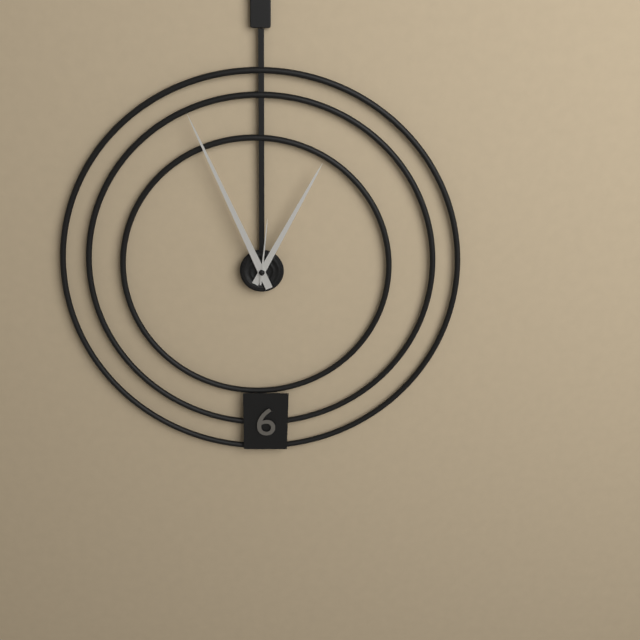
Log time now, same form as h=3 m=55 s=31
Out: h=12 m=56 s=1
